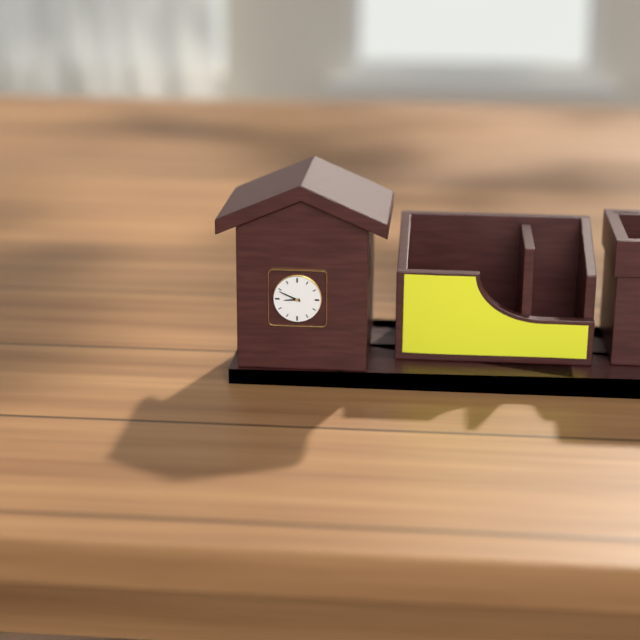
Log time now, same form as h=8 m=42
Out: h=8 m=49
